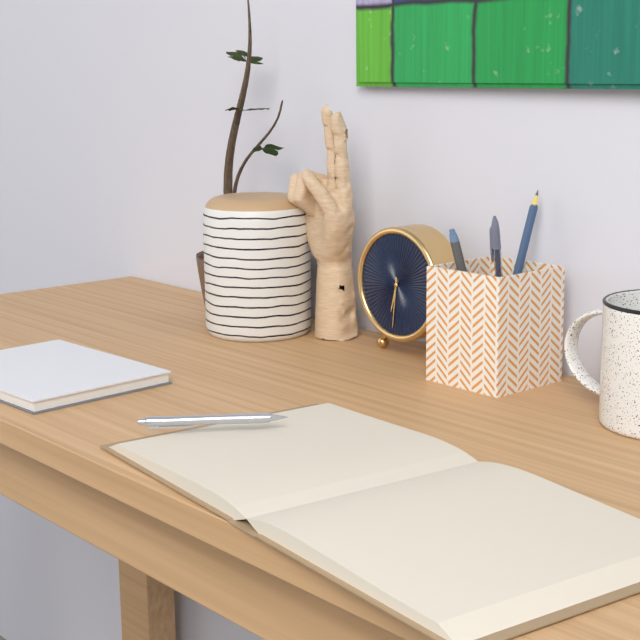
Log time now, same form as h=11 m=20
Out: h=6 m=31
